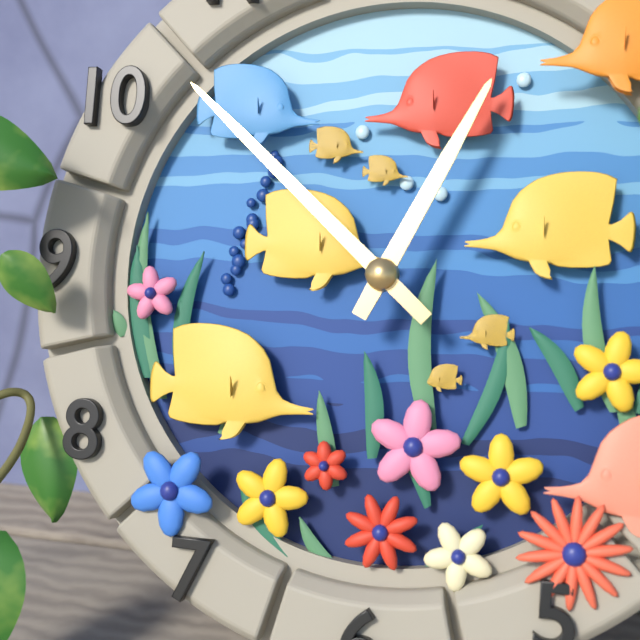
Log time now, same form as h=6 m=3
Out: h=12 m=52
